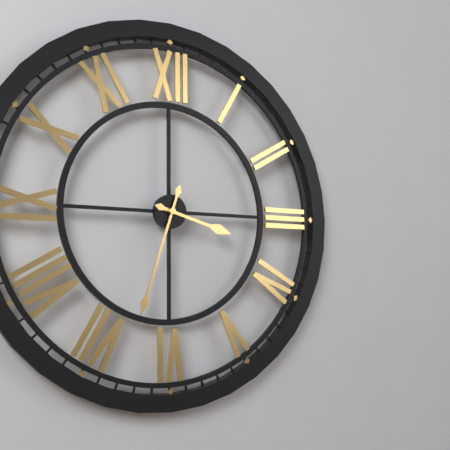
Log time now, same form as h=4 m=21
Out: h=3 m=33
